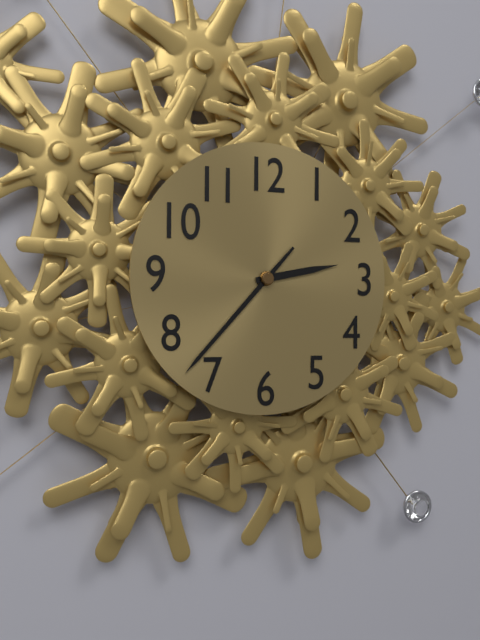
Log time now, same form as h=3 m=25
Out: h=2 m=37
